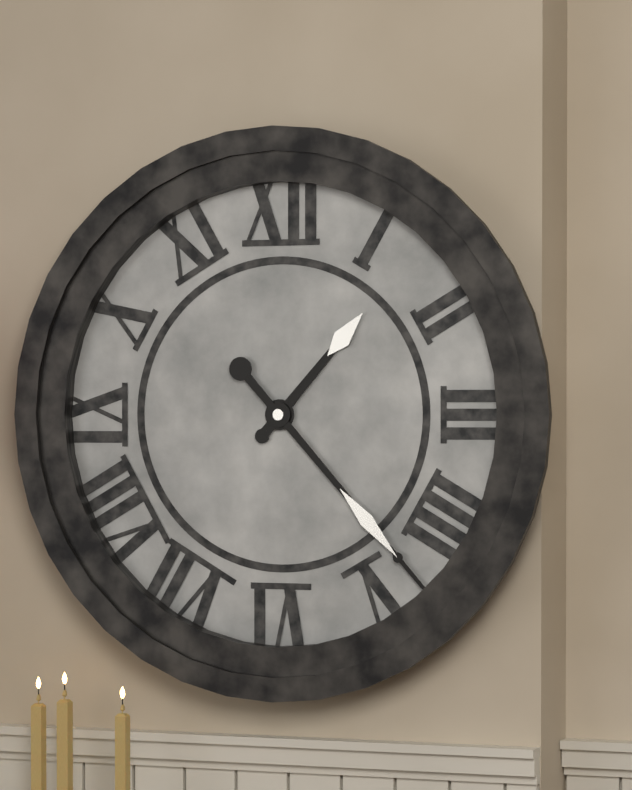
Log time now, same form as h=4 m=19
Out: h=1 m=23
